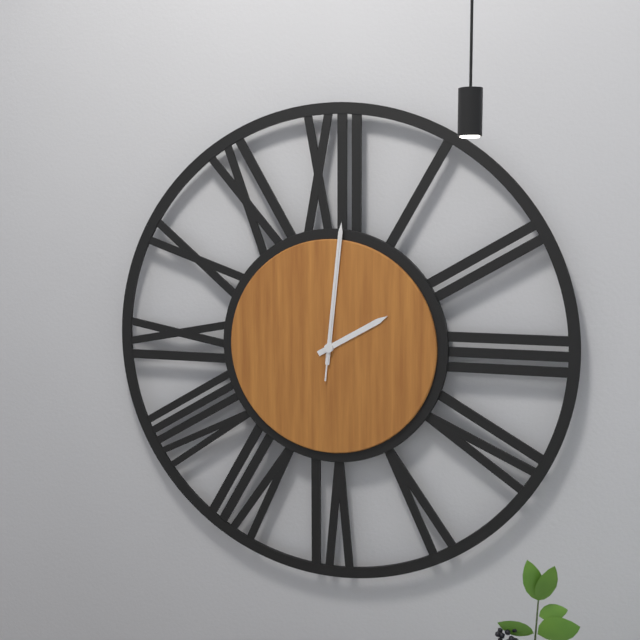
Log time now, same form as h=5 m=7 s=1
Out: h=2 m=1 s=1
